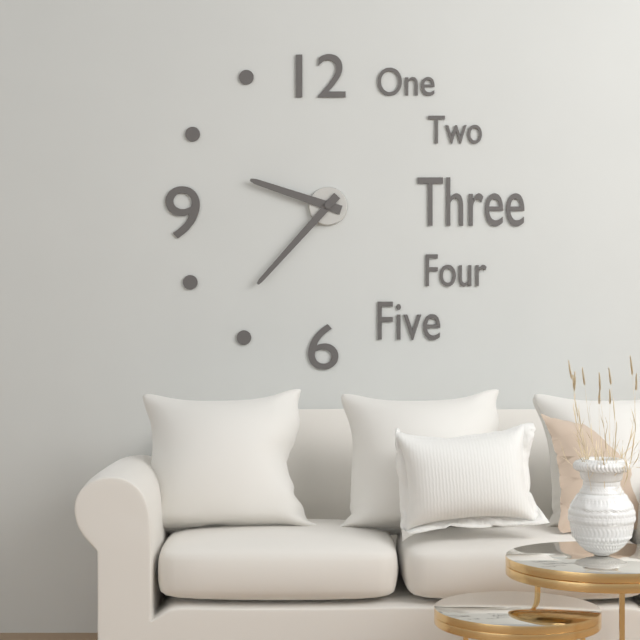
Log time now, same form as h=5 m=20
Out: h=9 m=37
